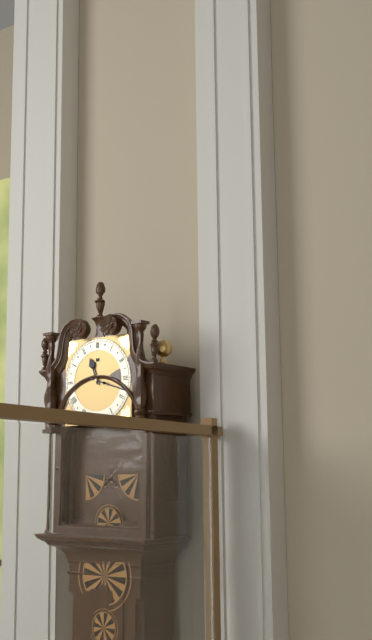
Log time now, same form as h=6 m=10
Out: h=11 m=18
